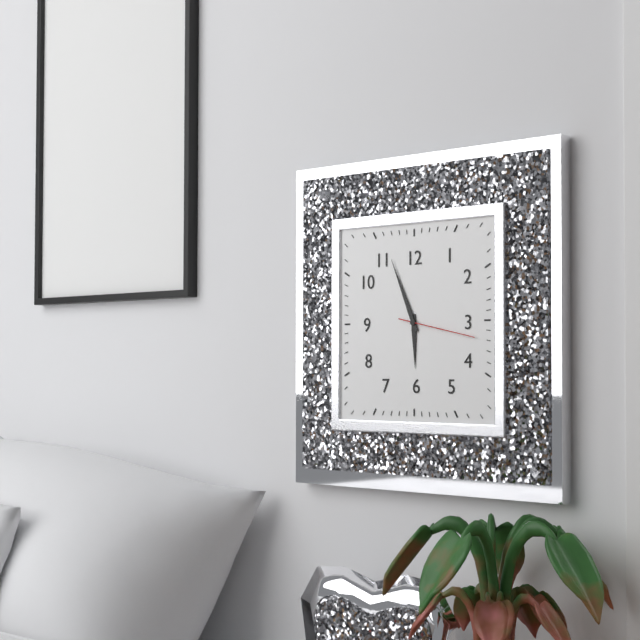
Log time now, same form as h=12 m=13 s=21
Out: h=5 m=56 s=17
